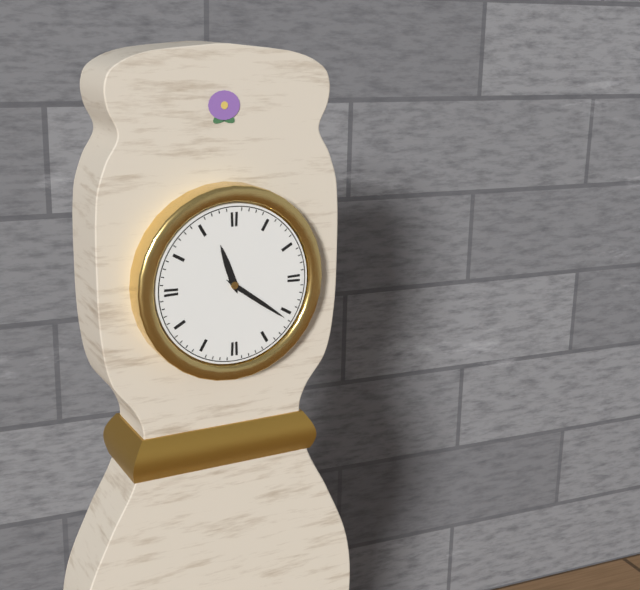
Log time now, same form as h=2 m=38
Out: h=11 m=21
